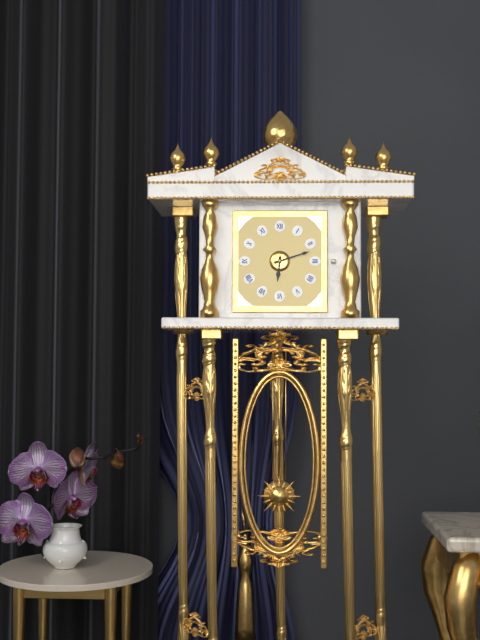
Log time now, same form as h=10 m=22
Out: h=6 m=12
